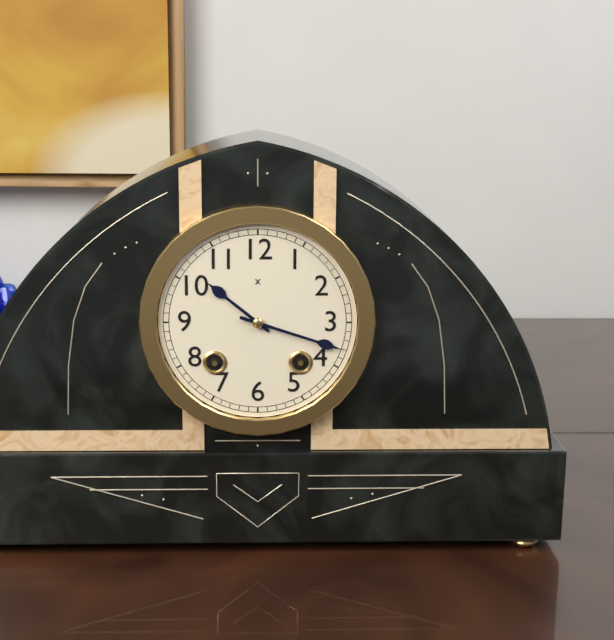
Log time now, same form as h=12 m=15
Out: h=10 m=18
